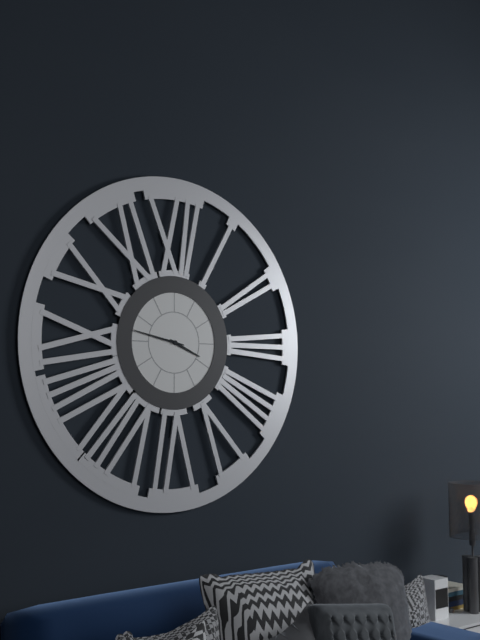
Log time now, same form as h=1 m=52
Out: h=3 m=47
